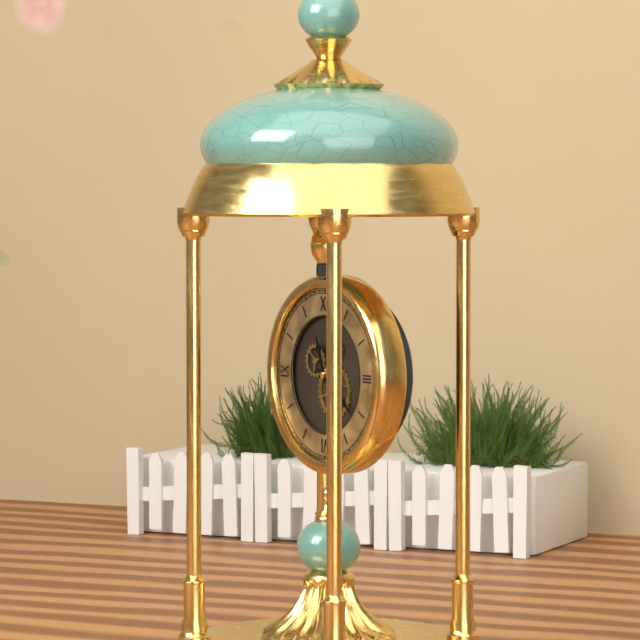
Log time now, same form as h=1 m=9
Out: h=11 m=21
